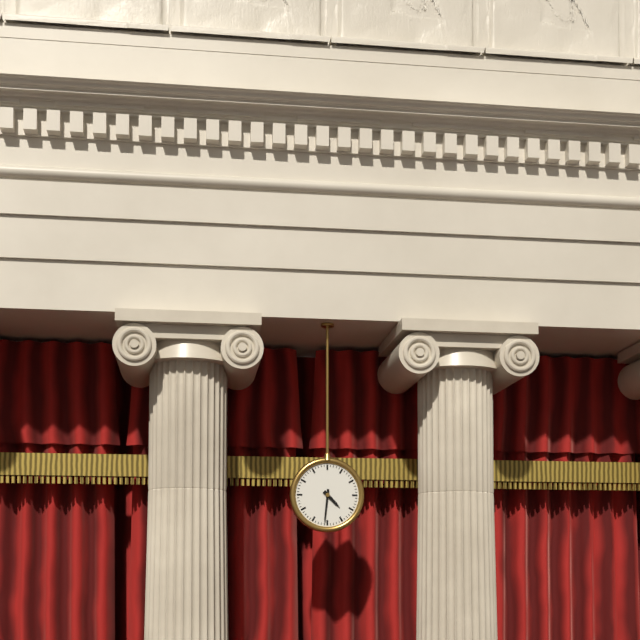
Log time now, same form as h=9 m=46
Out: h=4 m=31
